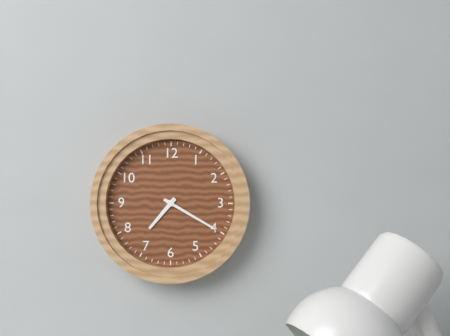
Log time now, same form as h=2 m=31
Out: h=7 m=20
